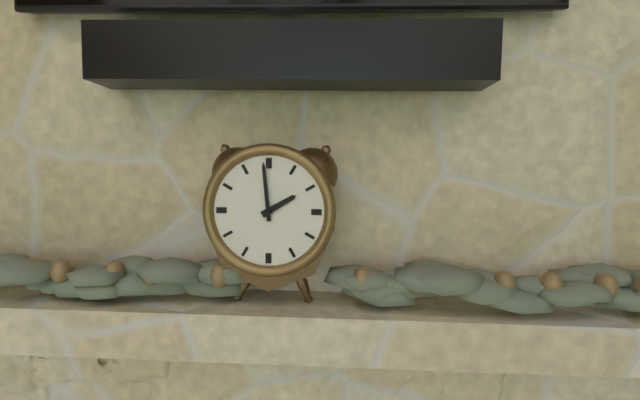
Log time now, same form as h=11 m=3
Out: h=1 m=59
